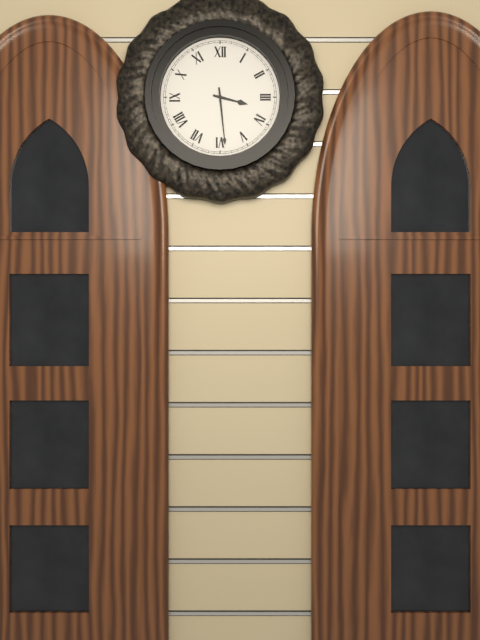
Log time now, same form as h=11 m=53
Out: h=3 m=29
